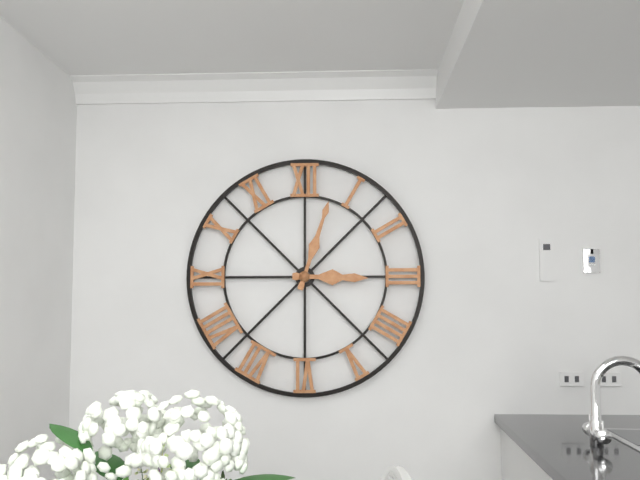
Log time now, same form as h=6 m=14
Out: h=3 m=3
